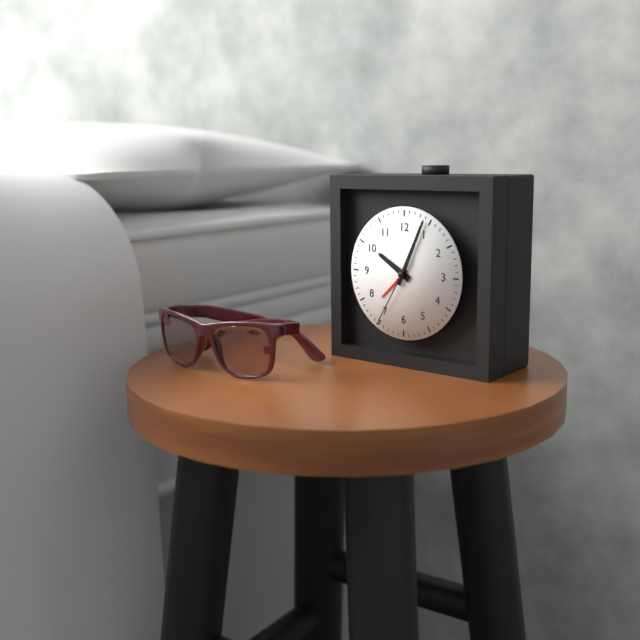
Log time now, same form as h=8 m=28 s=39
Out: h=10 m=4 s=35
